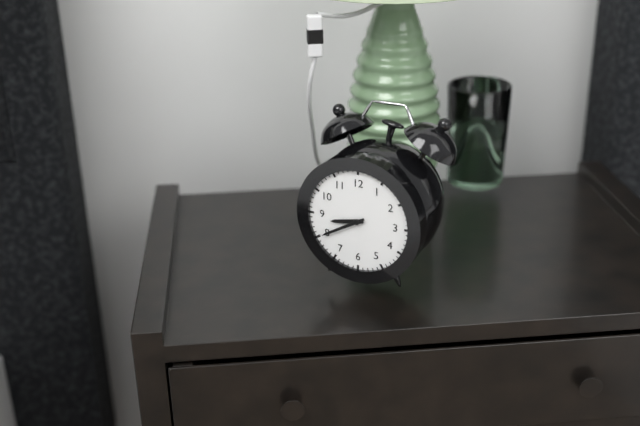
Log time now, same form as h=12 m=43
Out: h=8 m=40
